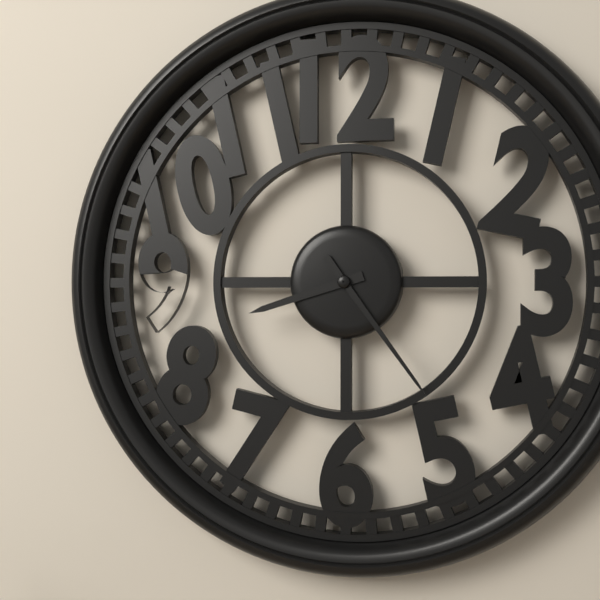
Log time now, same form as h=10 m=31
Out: h=8 m=24
